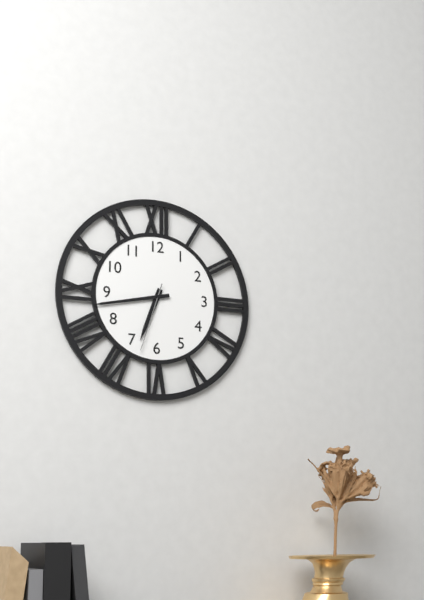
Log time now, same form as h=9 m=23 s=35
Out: h=6 m=43 s=33
